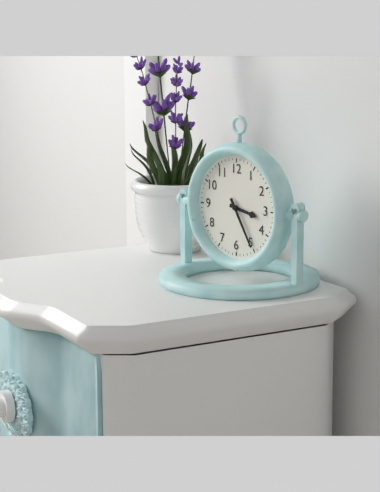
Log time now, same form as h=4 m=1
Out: h=3 m=25
